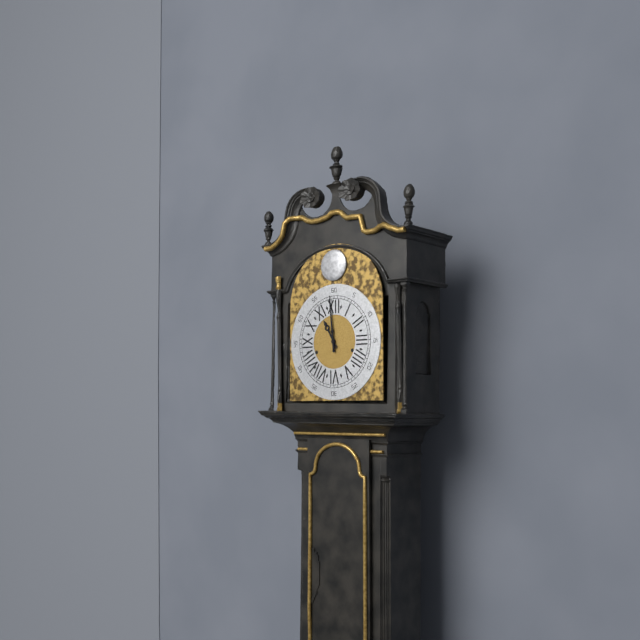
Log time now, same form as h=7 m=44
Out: h=10 m=59
